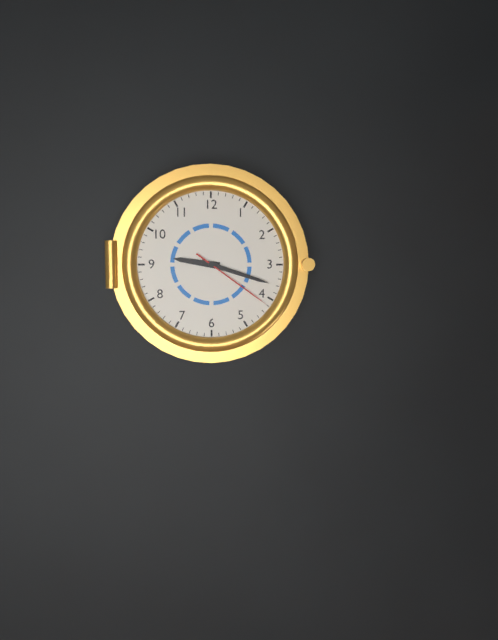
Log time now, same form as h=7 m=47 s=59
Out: h=9 m=18 s=21
